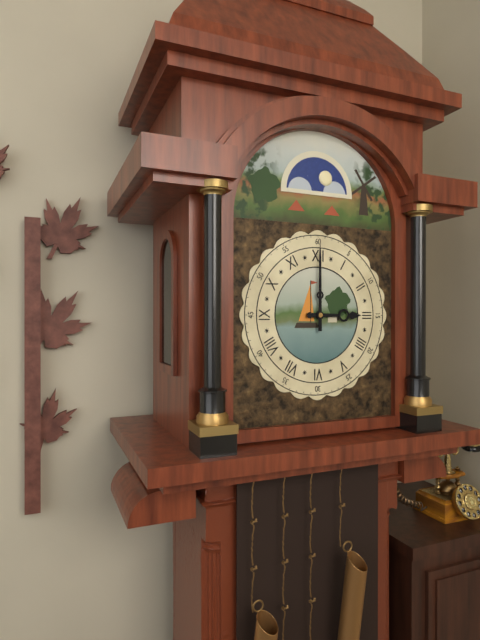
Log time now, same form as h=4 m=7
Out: h=3 m=0
